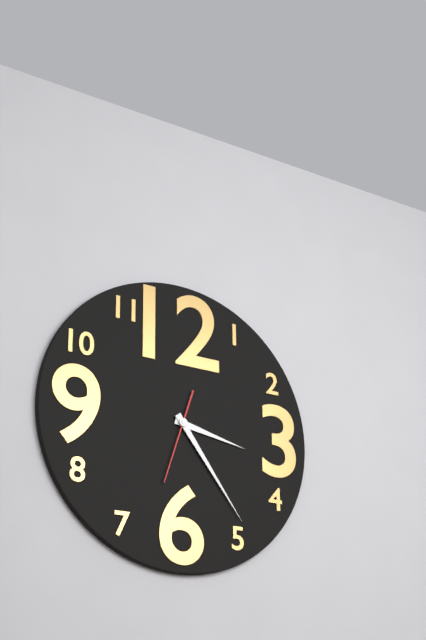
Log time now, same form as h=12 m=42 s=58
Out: h=3 m=24 s=33
